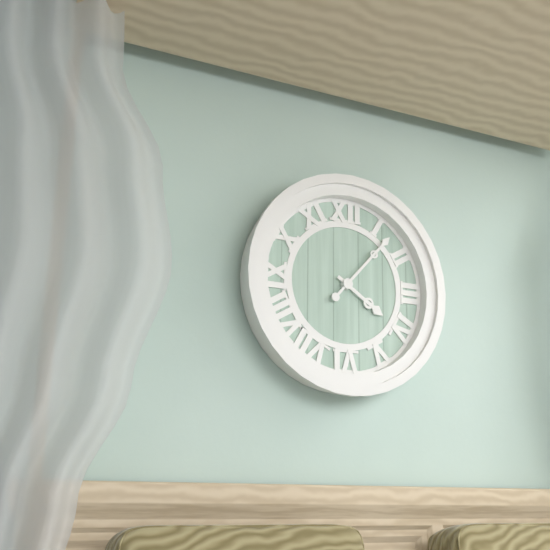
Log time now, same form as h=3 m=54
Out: h=4 m=7
